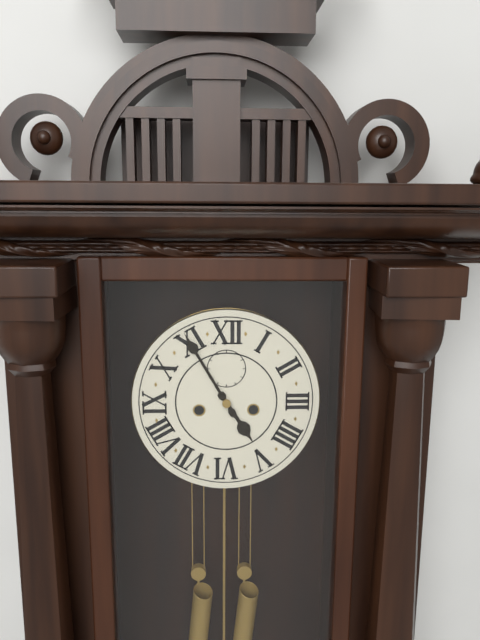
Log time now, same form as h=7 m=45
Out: h=4 m=55
